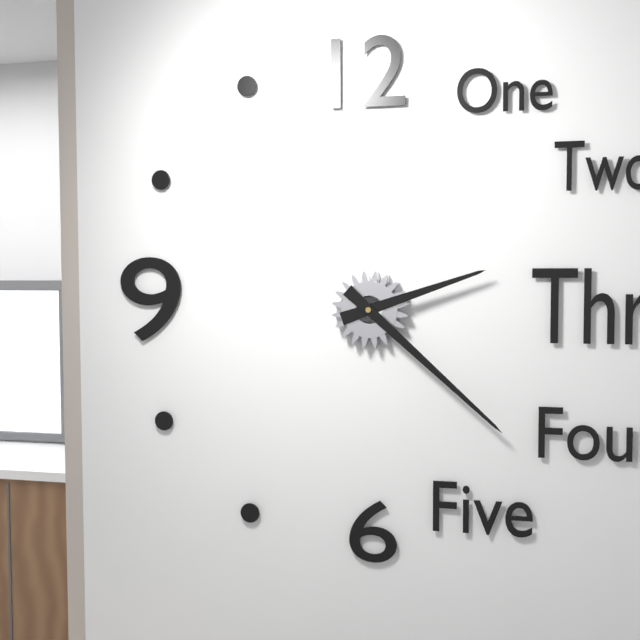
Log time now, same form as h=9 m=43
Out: h=2 m=22
